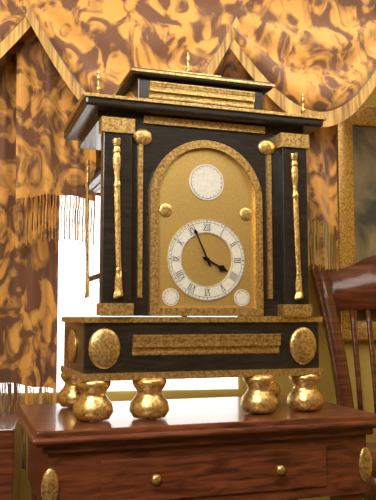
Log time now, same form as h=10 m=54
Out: h=3 m=56
